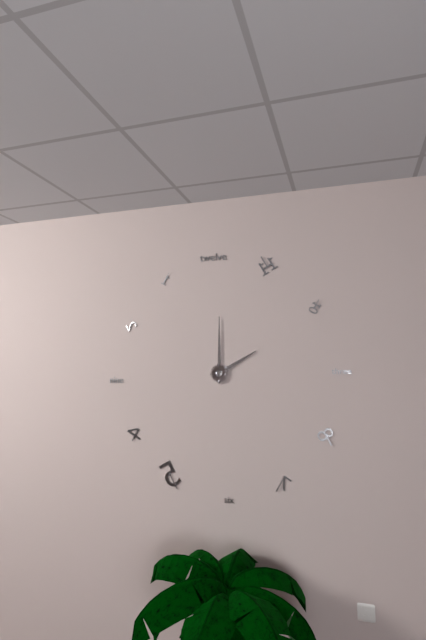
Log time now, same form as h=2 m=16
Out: h=2 m=0
